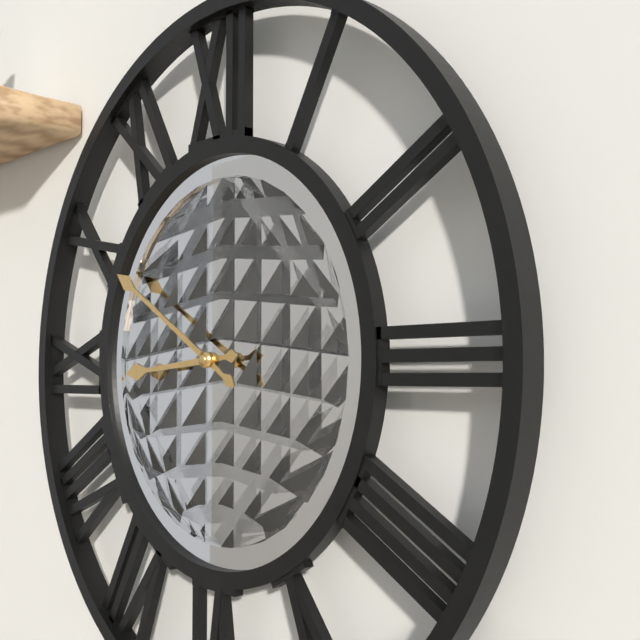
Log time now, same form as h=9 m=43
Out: h=8 m=50
